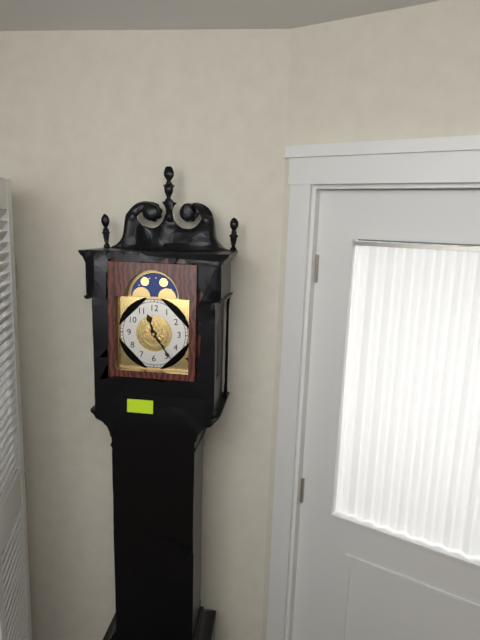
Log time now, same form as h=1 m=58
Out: h=11 m=24
